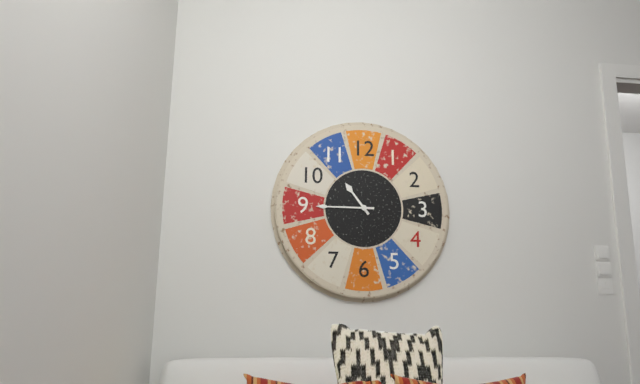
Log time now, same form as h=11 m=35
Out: h=10 m=45
